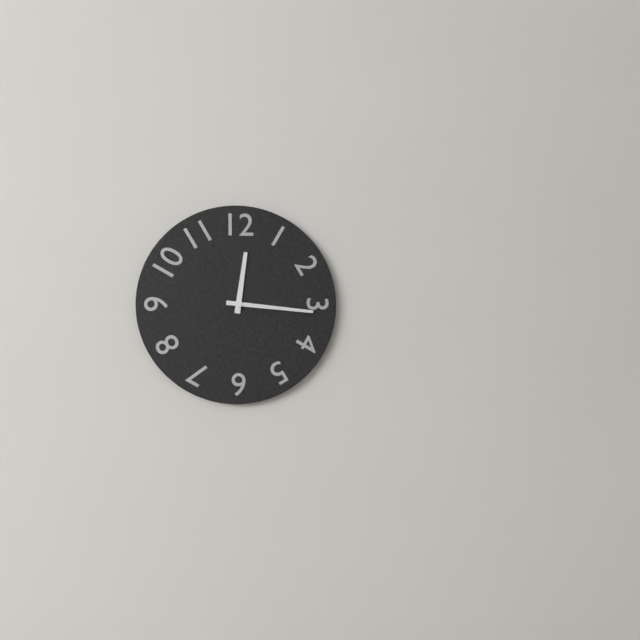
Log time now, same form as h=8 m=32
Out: h=12 m=16
